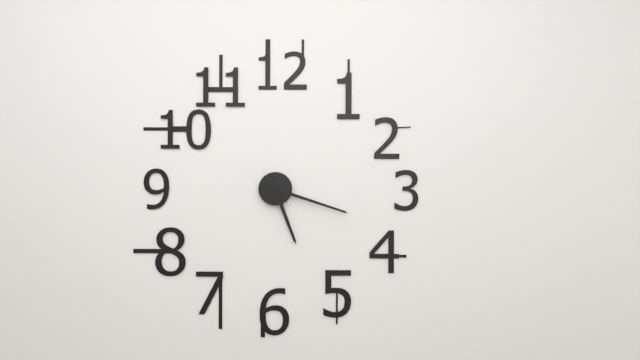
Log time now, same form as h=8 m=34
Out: h=5 m=18
